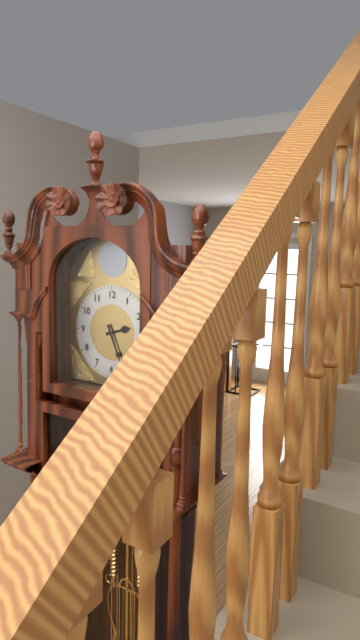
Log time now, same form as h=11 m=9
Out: h=2 m=26
